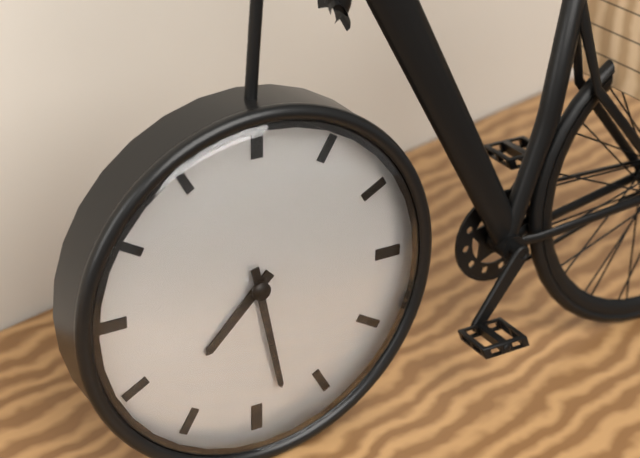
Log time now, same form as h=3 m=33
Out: h=7 m=28
